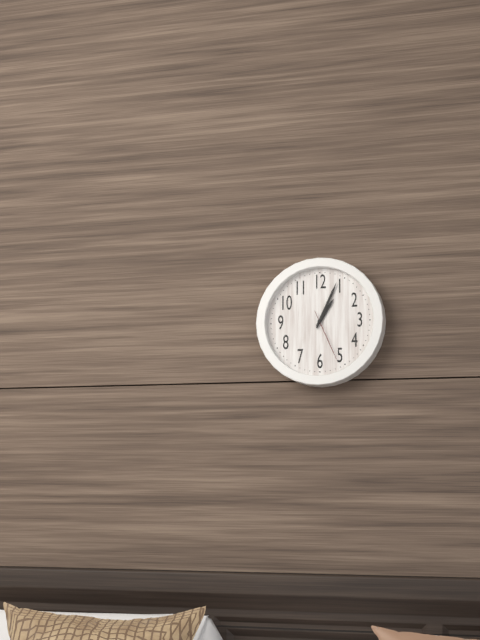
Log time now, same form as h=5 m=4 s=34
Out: h=1 m=4 s=26
